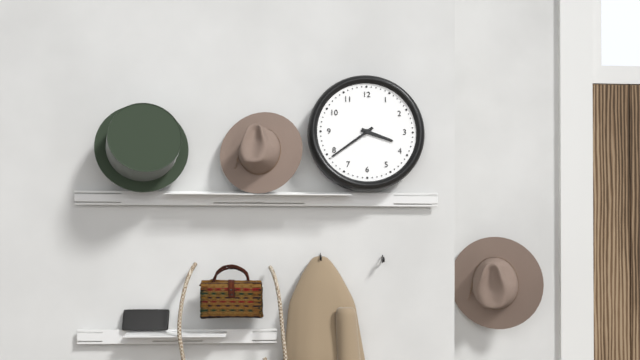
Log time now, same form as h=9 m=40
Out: h=3 m=39
